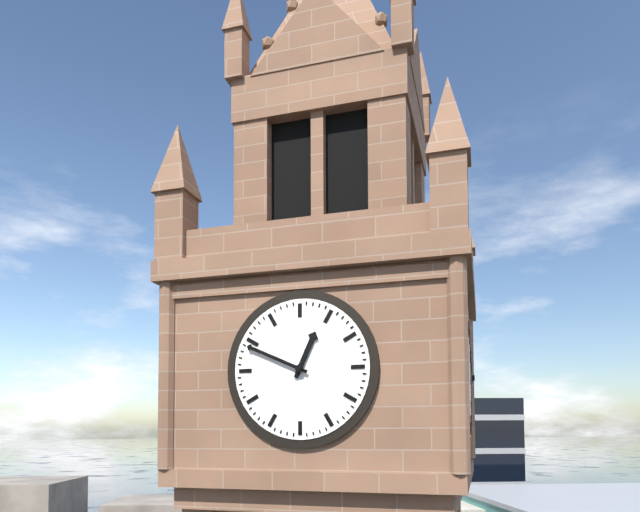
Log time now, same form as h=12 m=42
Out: h=12 m=49
